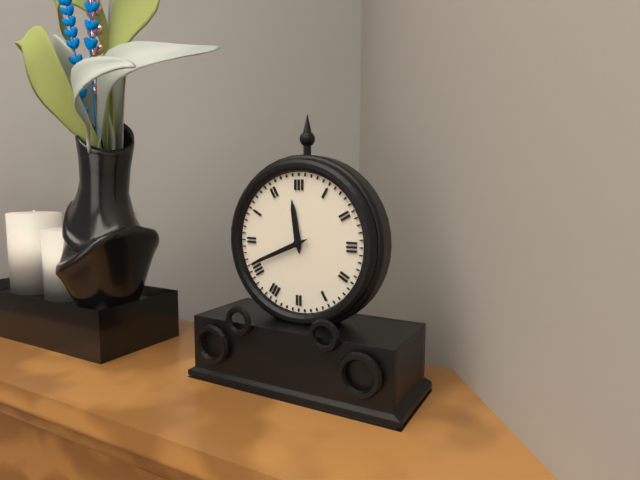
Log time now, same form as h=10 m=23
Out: h=11 m=41
